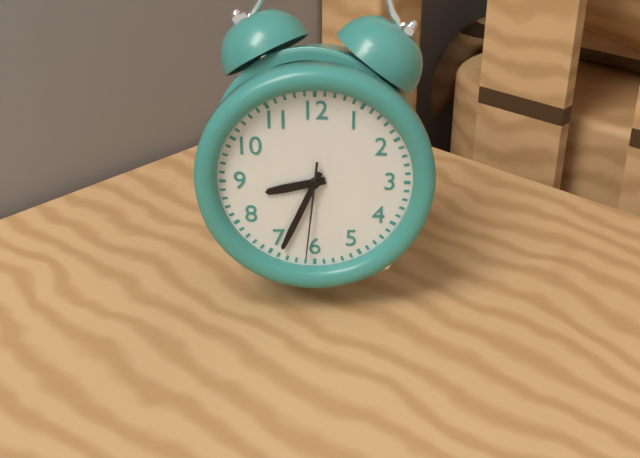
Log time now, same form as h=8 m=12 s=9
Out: h=8 m=34 s=31
